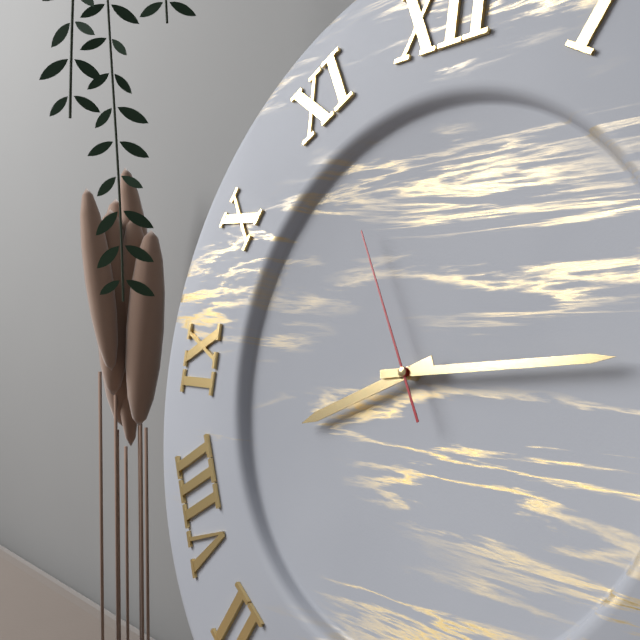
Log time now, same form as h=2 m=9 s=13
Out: h=8 m=14 s=55
